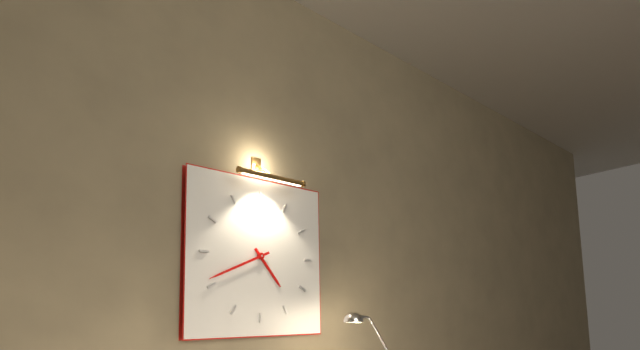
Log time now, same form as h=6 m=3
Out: h=4 m=41
